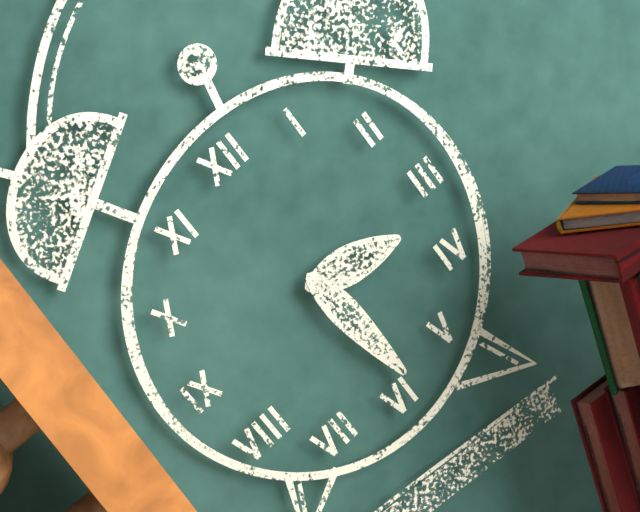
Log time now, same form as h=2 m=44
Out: h=3 m=29
